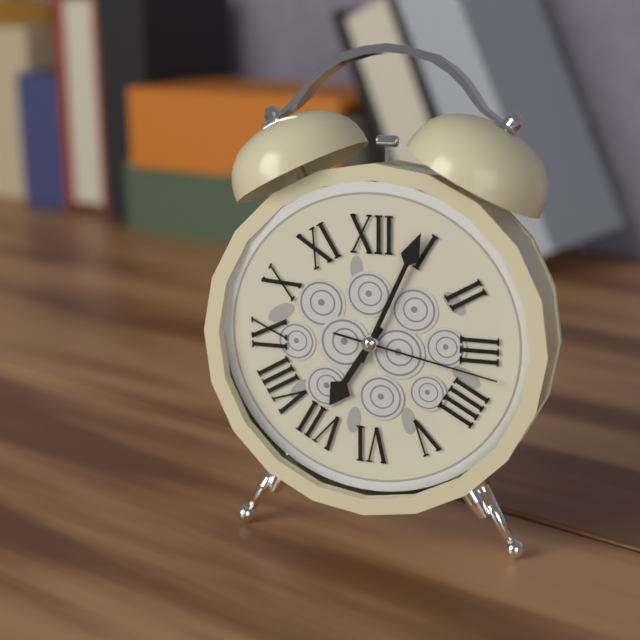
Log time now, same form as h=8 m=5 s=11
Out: h=7 m=4 s=17
